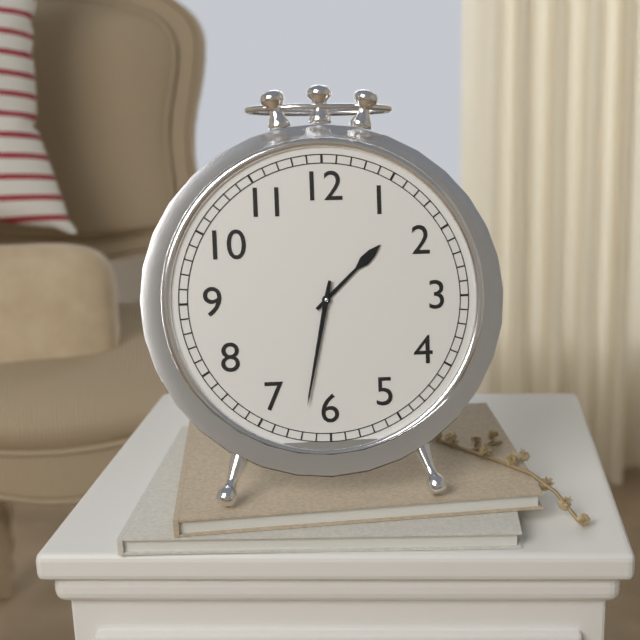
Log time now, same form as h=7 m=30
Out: h=1 m=32
